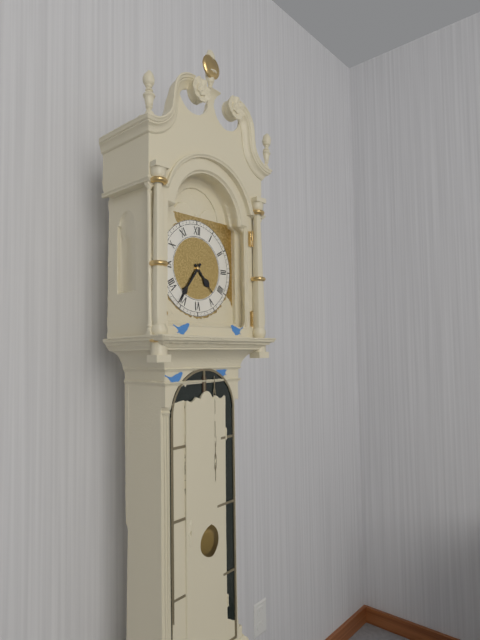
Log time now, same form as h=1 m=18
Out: h=4 m=36
